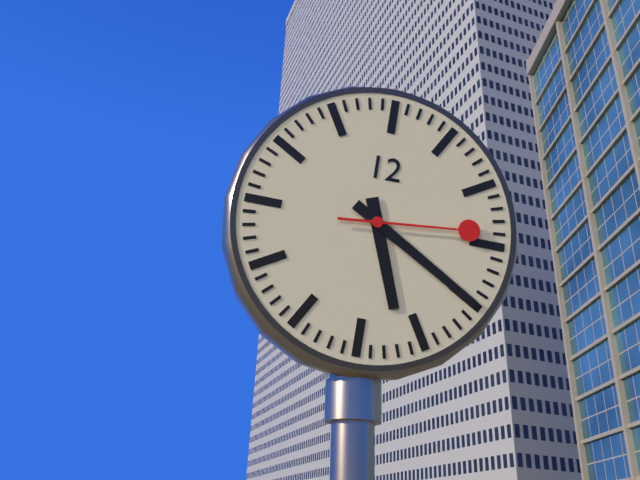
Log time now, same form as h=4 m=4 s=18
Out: h=5 m=20 s=14
